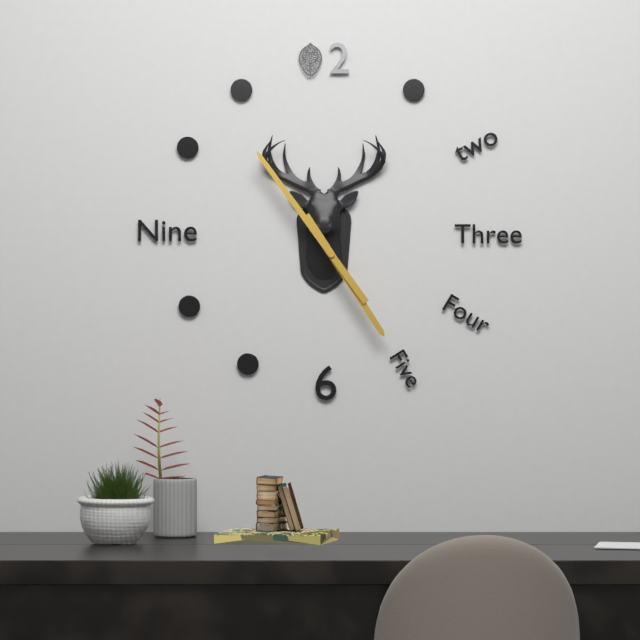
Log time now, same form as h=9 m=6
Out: h=4 m=54
